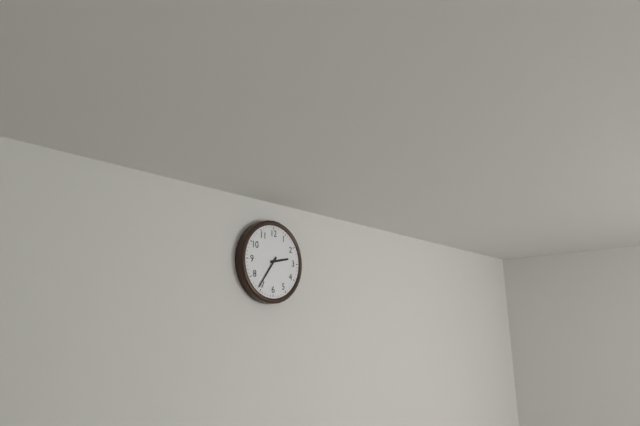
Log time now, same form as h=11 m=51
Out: h=2 m=36
